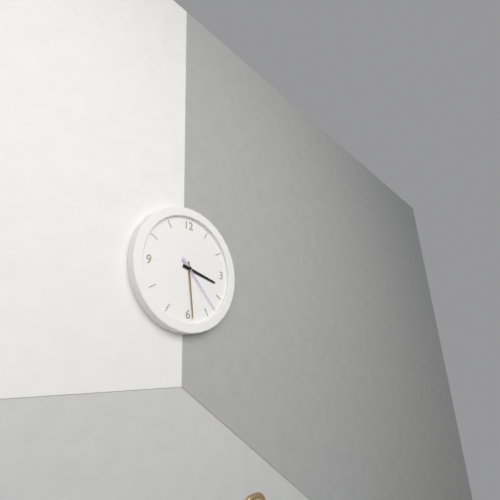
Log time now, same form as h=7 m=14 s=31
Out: h=3 m=29 s=23
